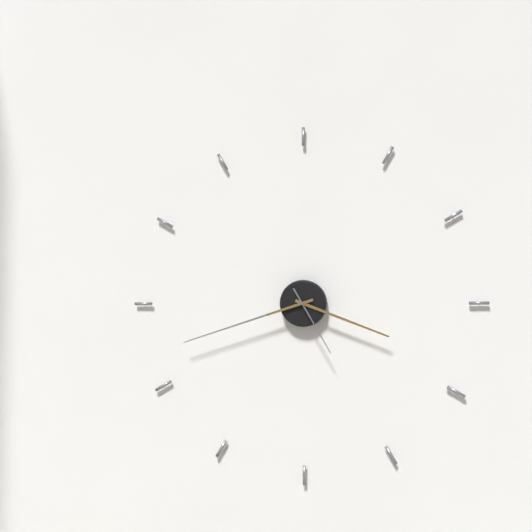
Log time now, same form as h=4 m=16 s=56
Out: h=3 m=42 s=25
